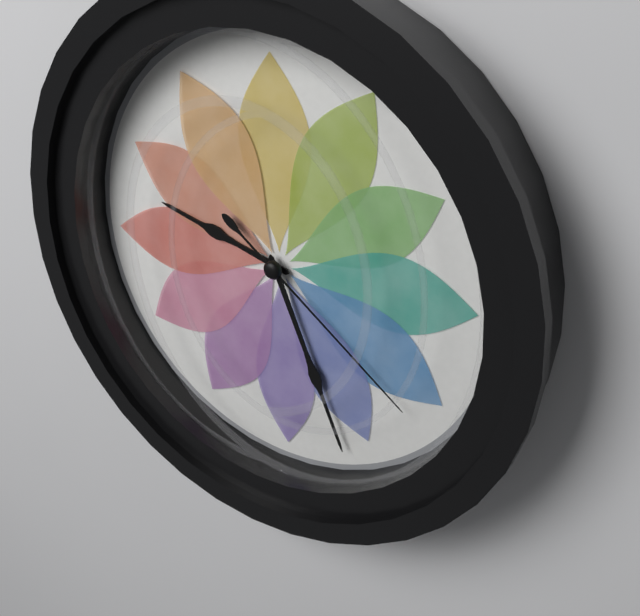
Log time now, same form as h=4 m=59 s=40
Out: h=9 m=26 s=21
